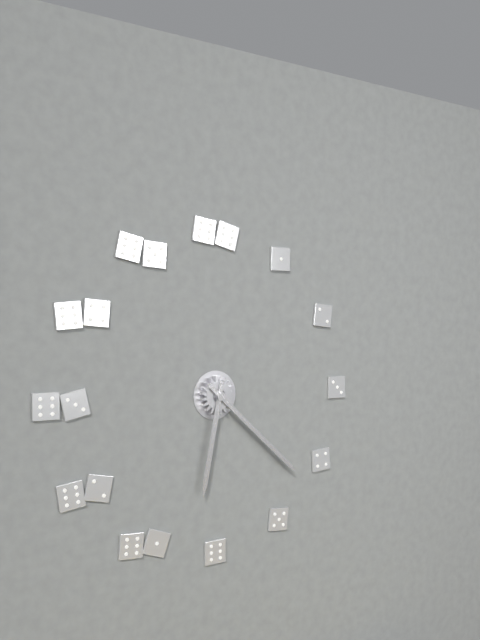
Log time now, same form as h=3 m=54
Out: h=6 m=22
